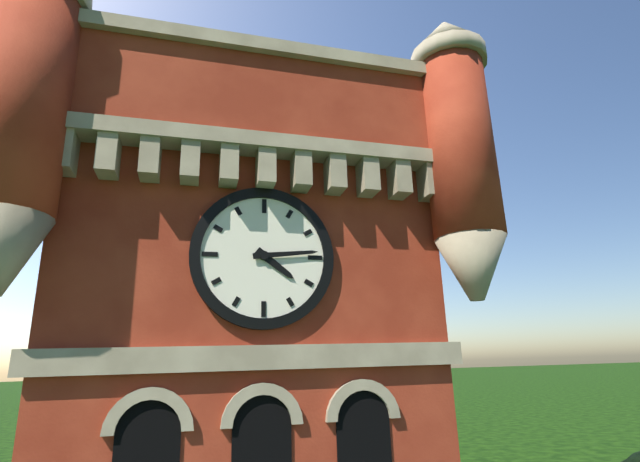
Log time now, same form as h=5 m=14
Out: h=4 m=14
